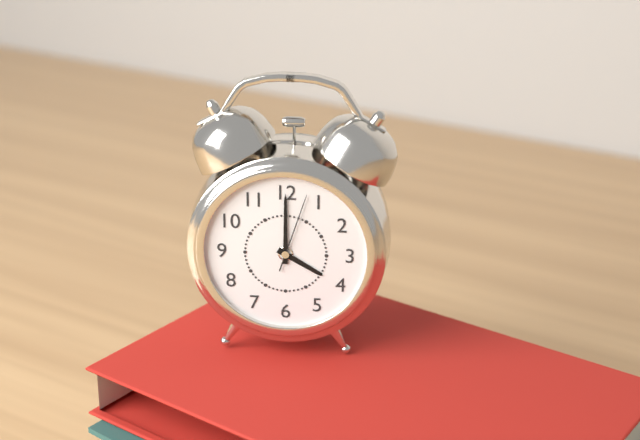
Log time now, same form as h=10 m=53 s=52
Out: h=4 m=0 s=3
